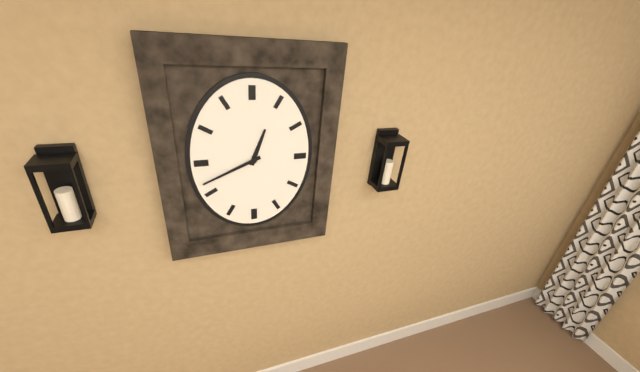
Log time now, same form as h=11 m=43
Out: h=12 m=41
